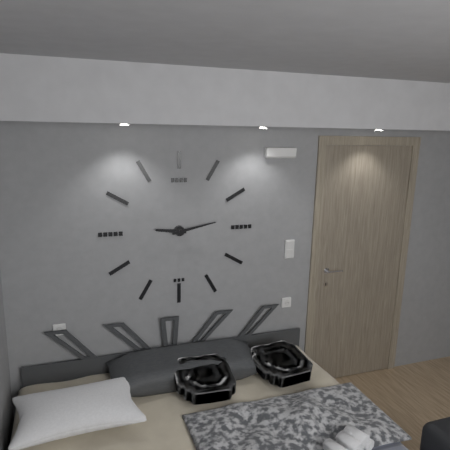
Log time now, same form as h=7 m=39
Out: h=9 m=13
